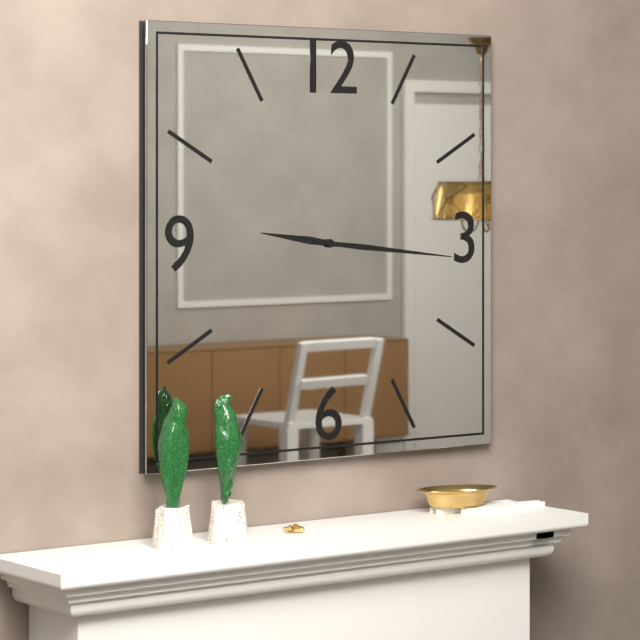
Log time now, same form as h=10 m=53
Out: h=9 m=16
